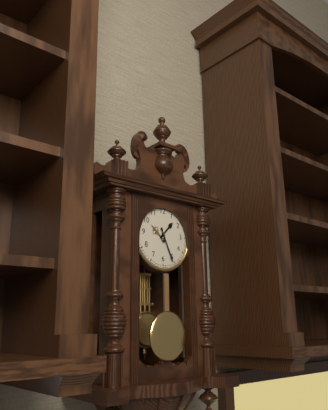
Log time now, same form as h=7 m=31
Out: h=1 m=26
